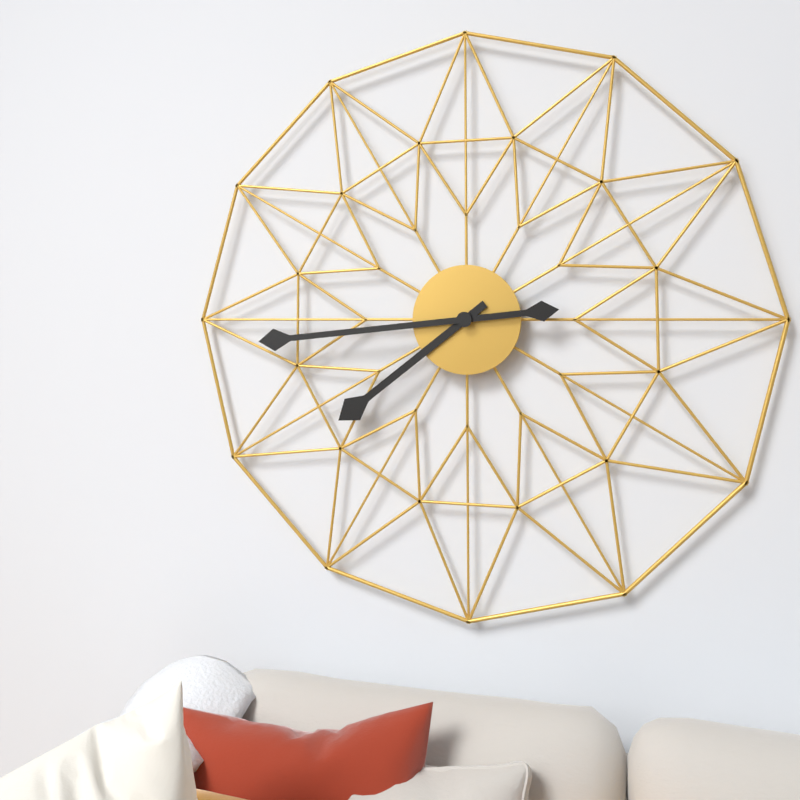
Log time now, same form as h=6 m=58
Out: h=7 m=44
